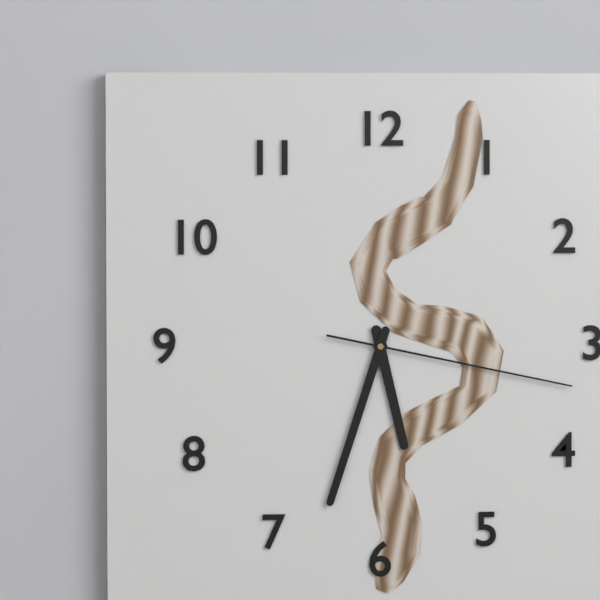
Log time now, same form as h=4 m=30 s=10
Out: h=5 m=33 s=17
